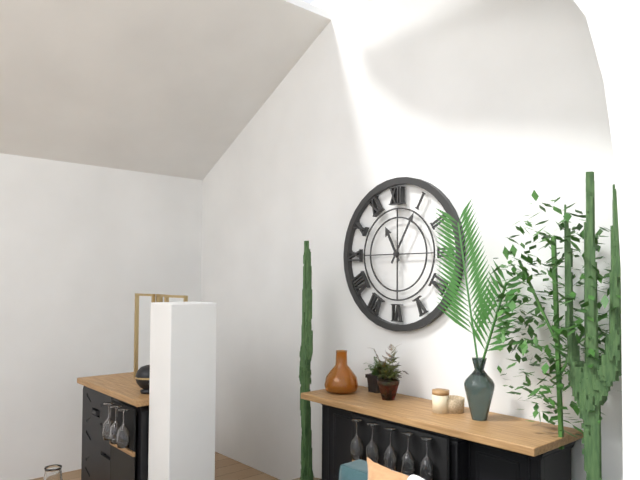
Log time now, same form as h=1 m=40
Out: h=11 m=5
